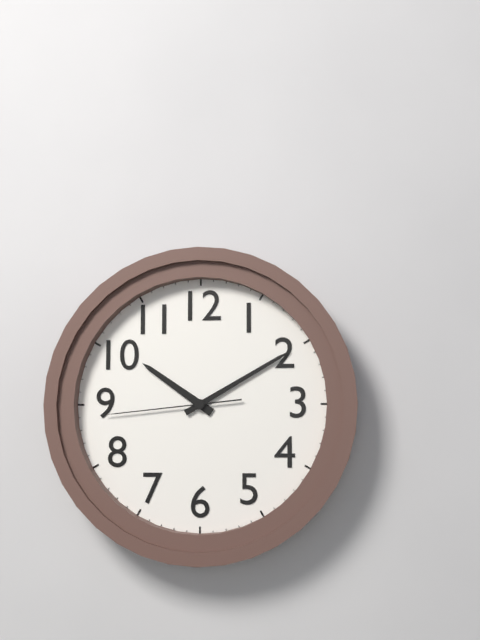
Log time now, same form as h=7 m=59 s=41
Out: h=10 m=10 s=44
